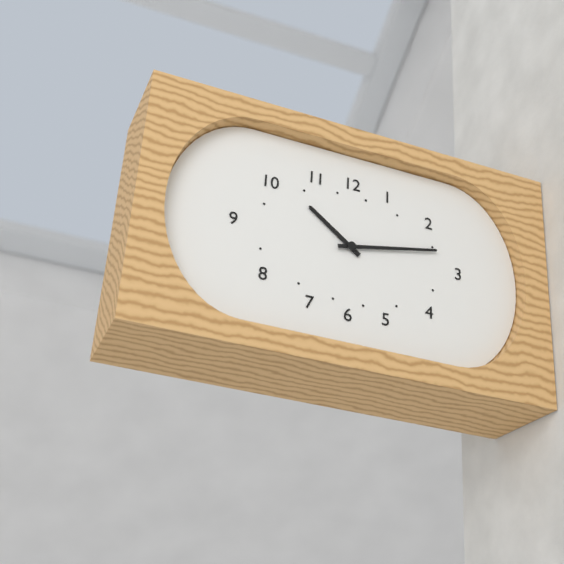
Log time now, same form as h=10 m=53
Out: h=10 m=13
